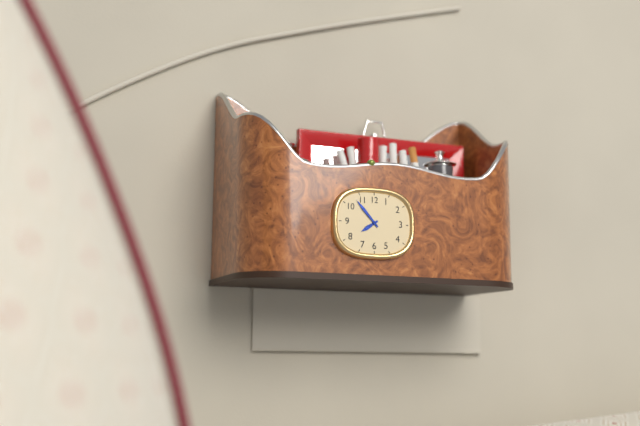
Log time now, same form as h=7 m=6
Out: h=7 m=53
